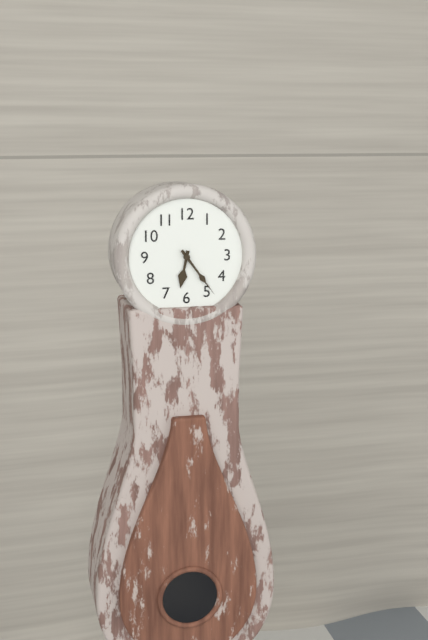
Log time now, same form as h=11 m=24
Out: h=6 m=24
